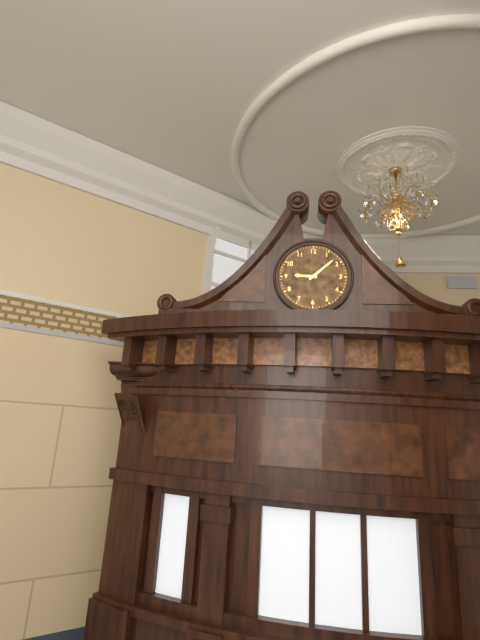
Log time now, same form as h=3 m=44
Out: h=9 m=8
